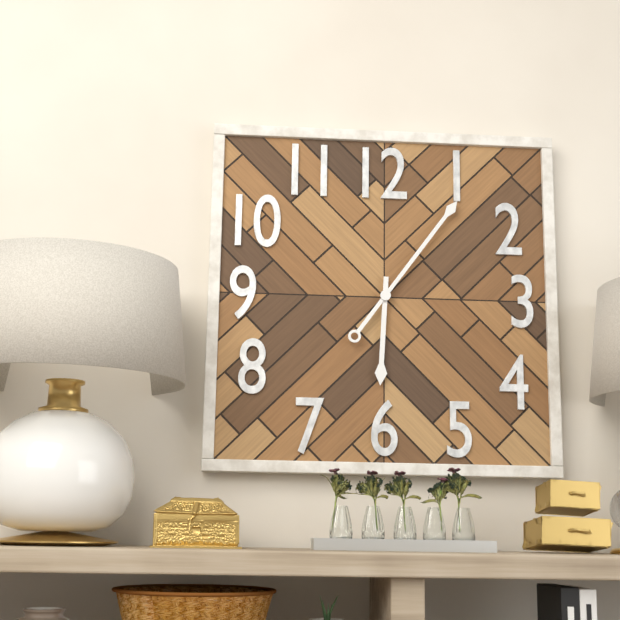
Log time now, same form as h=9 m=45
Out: h=6 m=6
